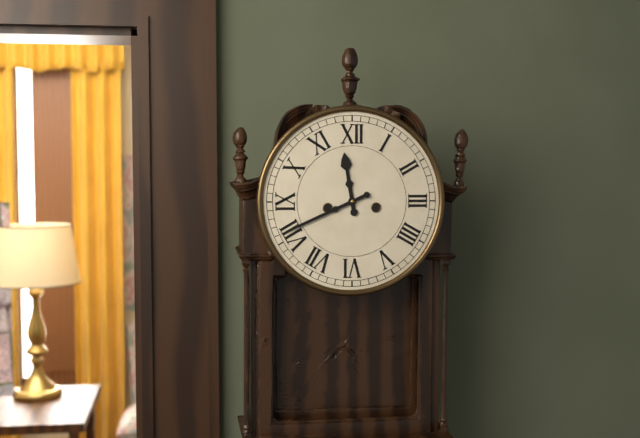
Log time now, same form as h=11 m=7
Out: h=11 m=41
